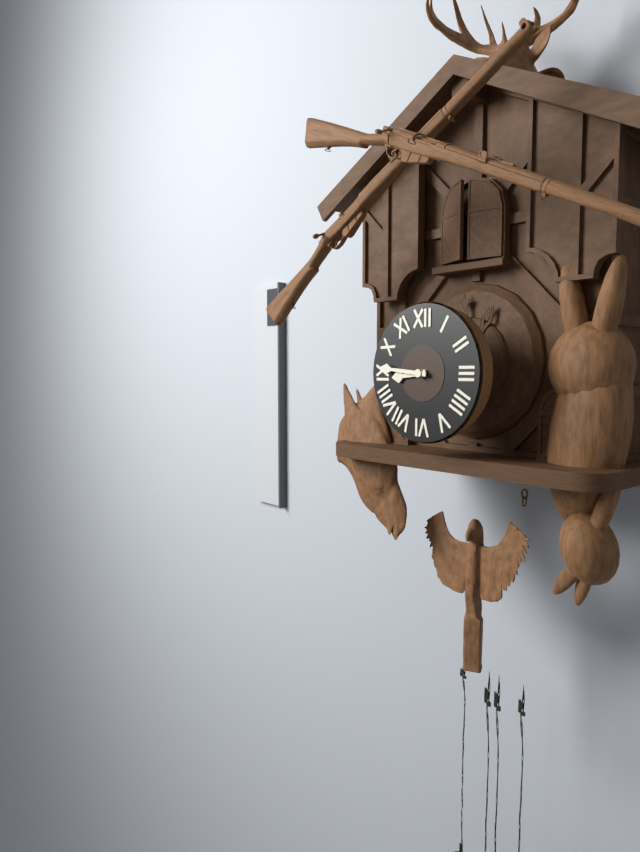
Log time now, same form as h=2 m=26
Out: h=8 m=46
